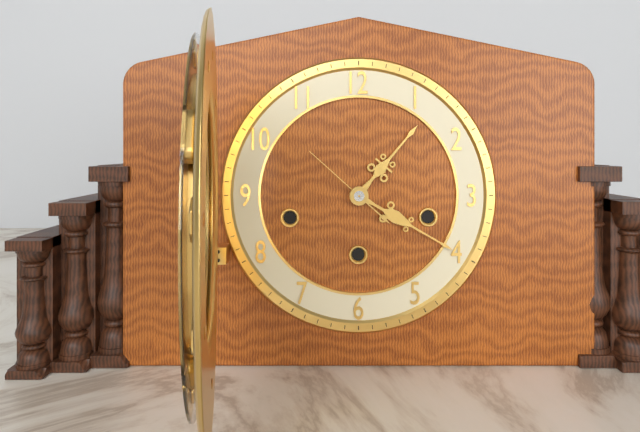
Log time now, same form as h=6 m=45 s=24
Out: h=1 m=20 s=52
